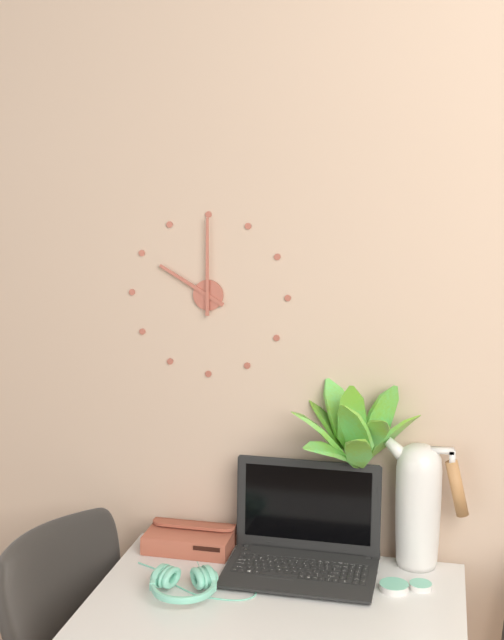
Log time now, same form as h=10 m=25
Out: h=10 m=0
